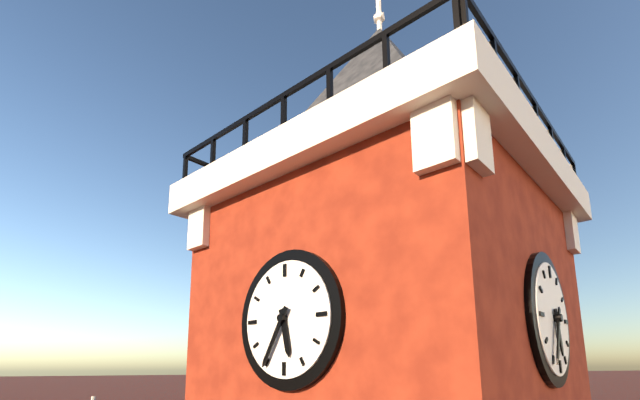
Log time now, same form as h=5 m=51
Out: h=5 m=35
